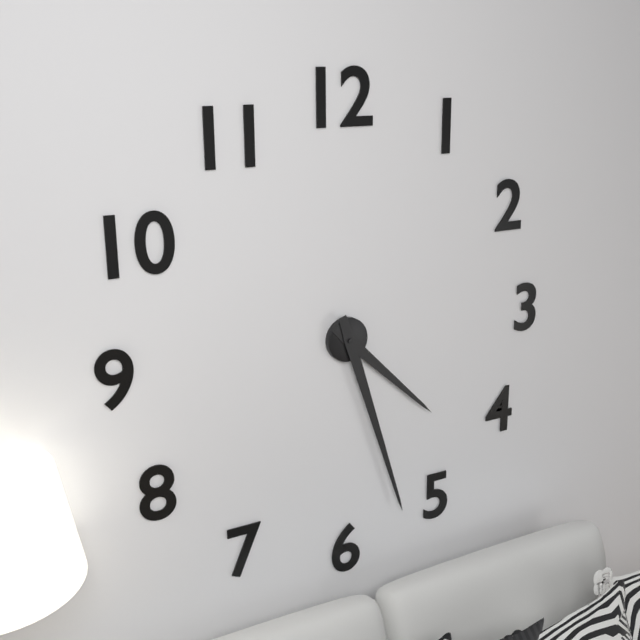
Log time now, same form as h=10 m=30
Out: h=4 m=27
